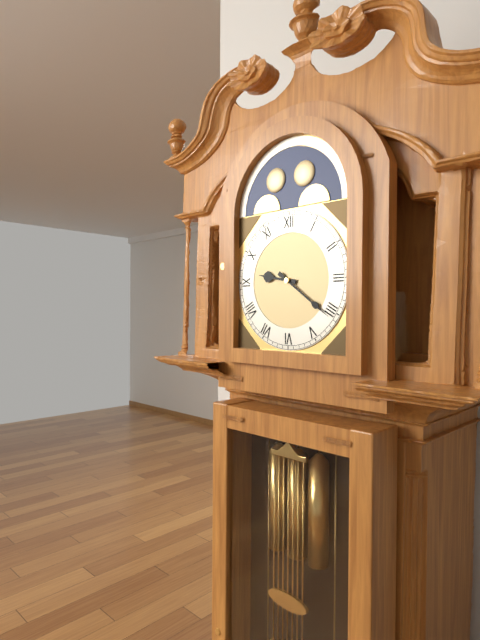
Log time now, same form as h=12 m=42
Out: h=9 m=21
